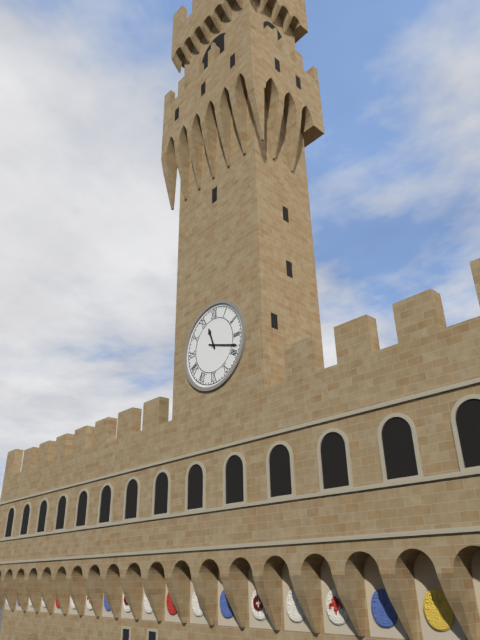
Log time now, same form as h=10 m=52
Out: h=11 m=18
